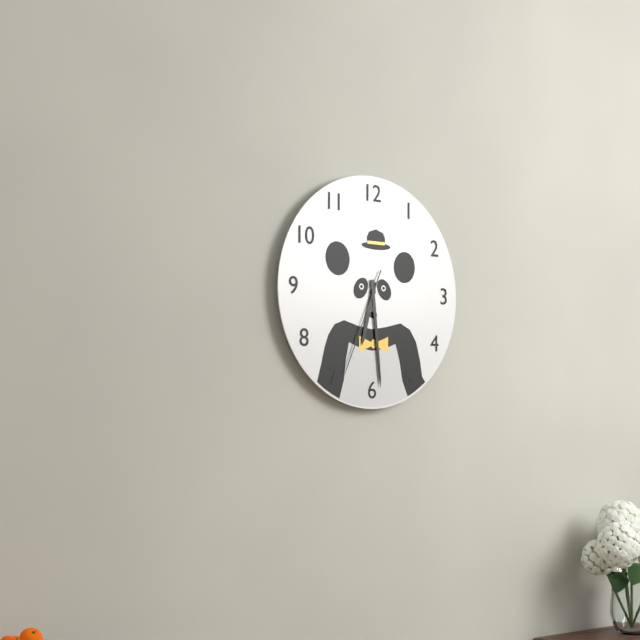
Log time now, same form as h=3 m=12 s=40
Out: h=6 m=29 s=34
